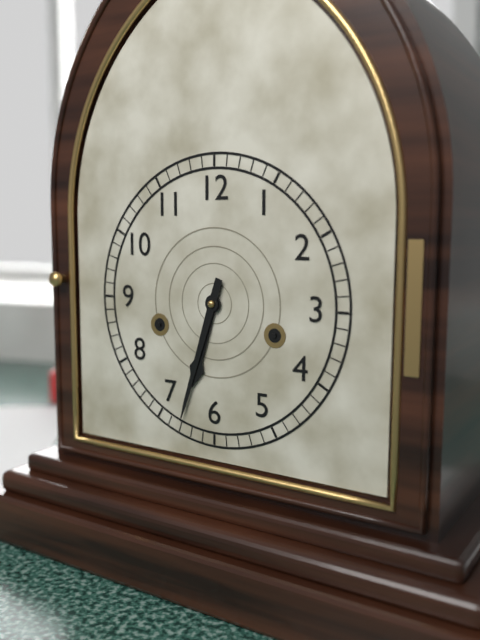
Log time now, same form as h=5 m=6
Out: h=6 m=33
